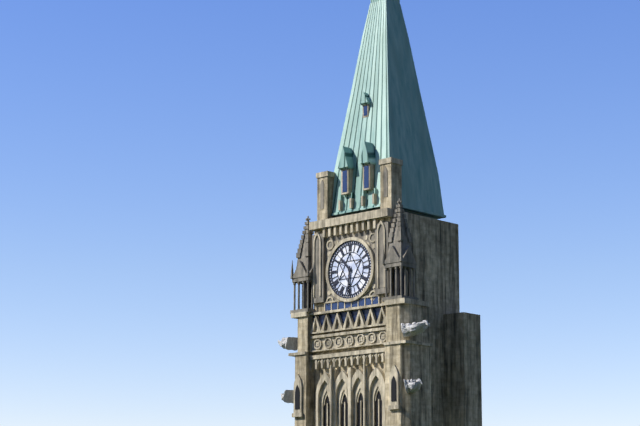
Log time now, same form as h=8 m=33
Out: h=10 m=31
